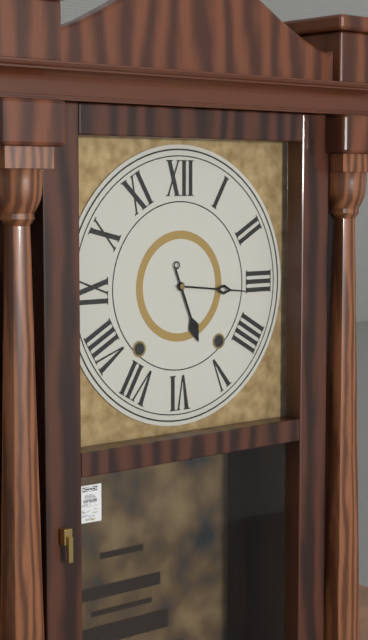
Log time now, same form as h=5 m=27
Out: h=5 m=16
